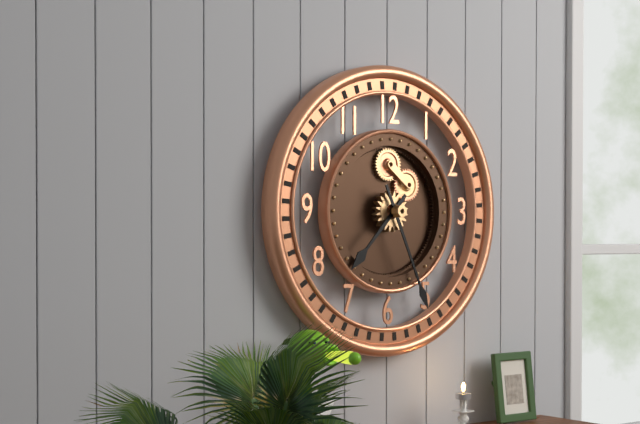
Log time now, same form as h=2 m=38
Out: h=7 m=26
